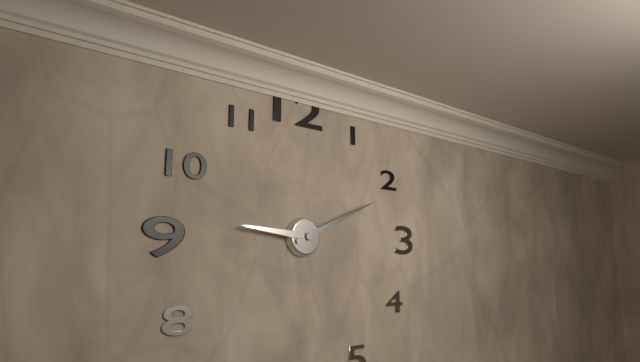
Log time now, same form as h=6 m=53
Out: h=9 m=11
